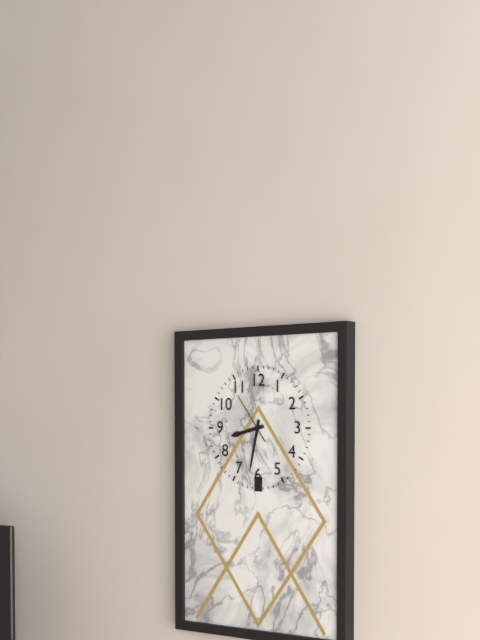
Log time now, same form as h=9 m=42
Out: h=8 m=32
